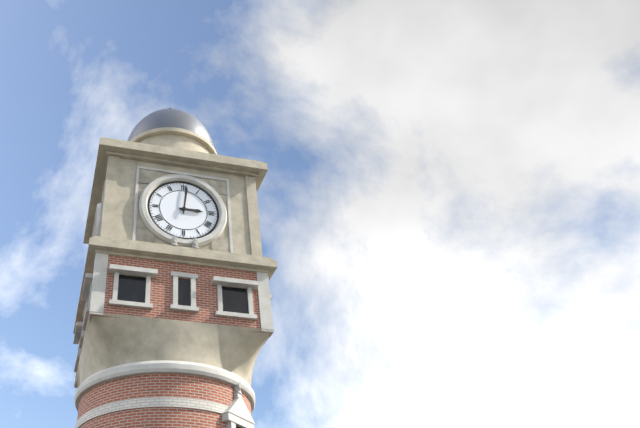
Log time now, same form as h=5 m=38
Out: h=3 m=1
